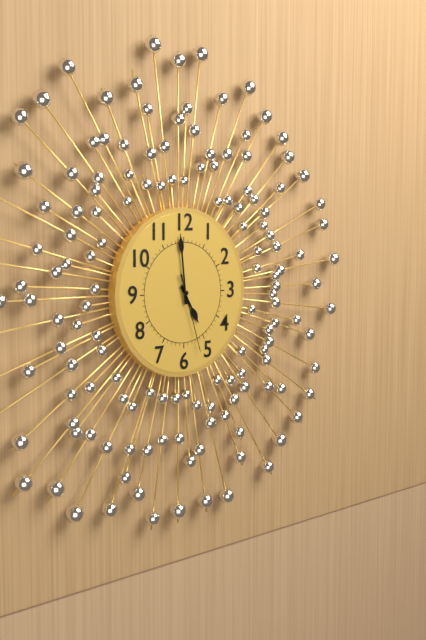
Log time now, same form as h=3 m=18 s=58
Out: h=4 m=59 s=27
